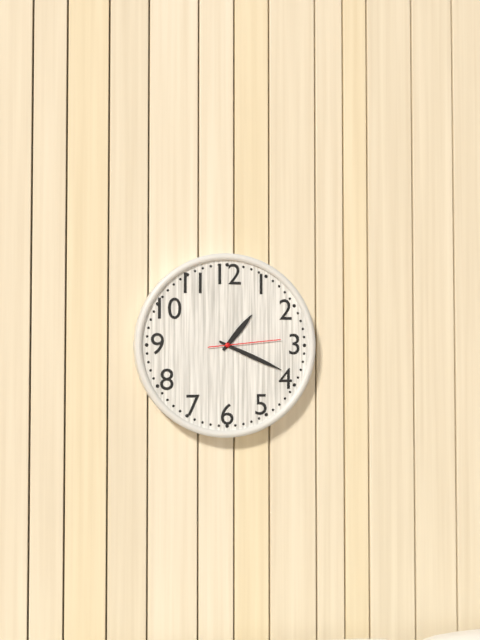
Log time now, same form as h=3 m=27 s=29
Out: h=1 m=19 s=14
